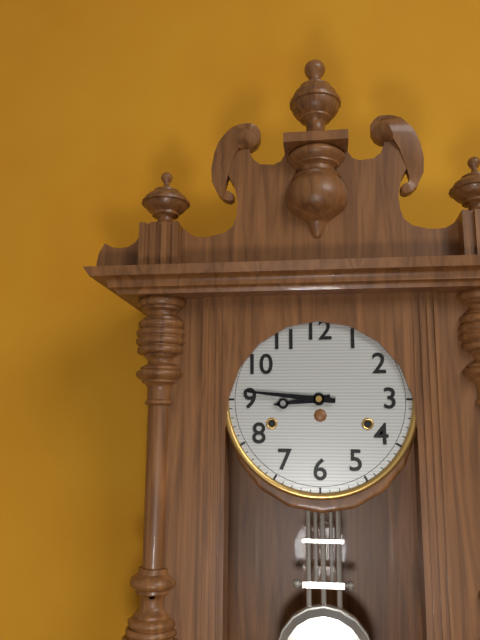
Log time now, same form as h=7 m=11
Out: h=8 m=46
